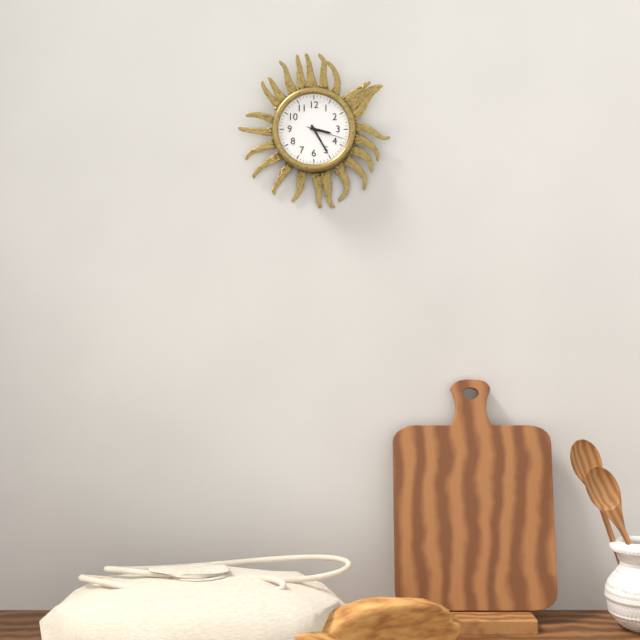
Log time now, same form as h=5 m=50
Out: h=3 m=25
